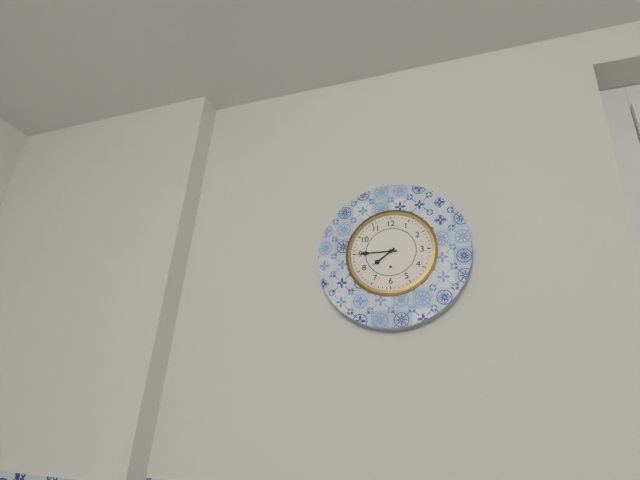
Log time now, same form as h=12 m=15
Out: h=7 m=45
